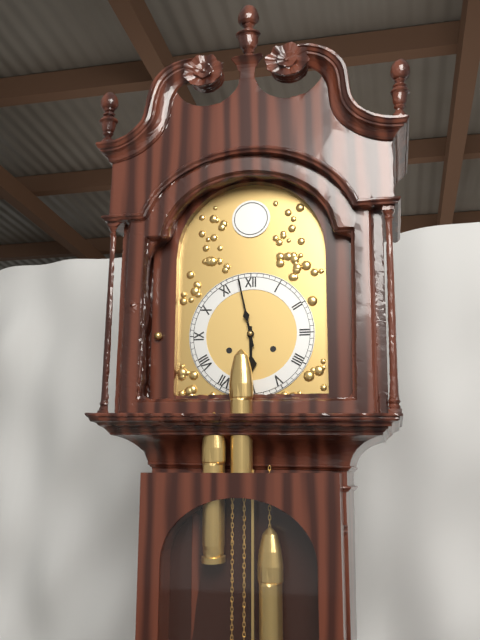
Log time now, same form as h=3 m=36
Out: h=5 m=58
